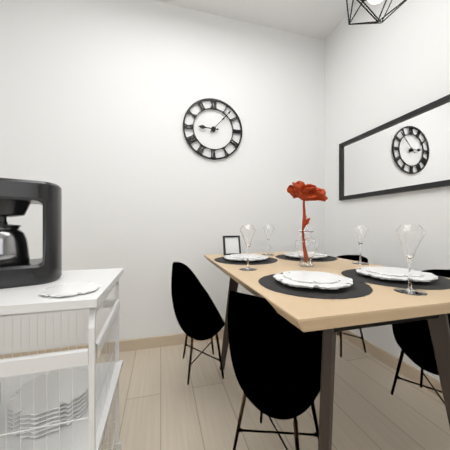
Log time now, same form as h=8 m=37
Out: h=9 m=7
